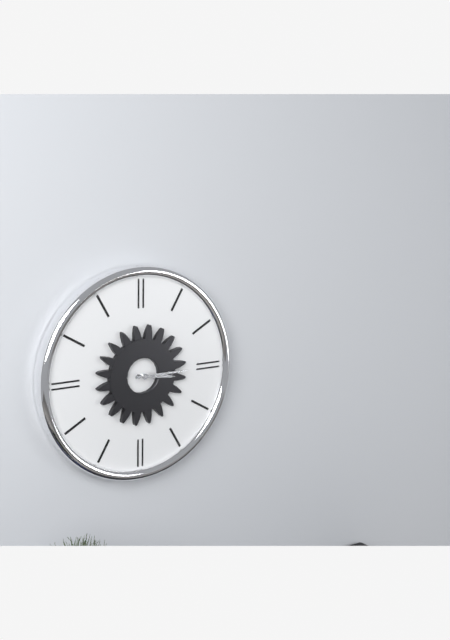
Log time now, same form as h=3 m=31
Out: h=3 m=15
